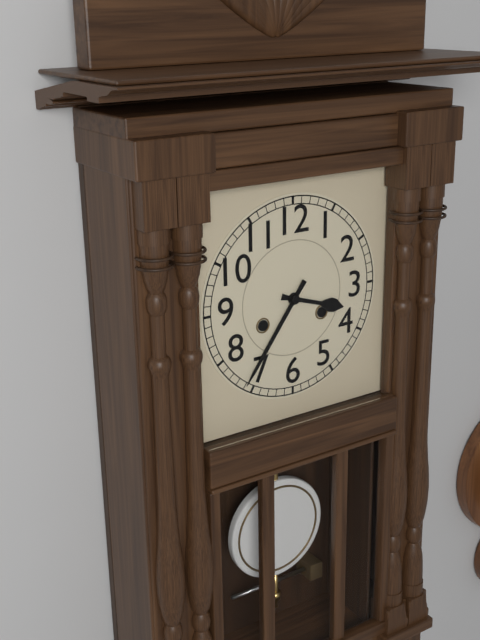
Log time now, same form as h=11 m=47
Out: h=3 m=36
